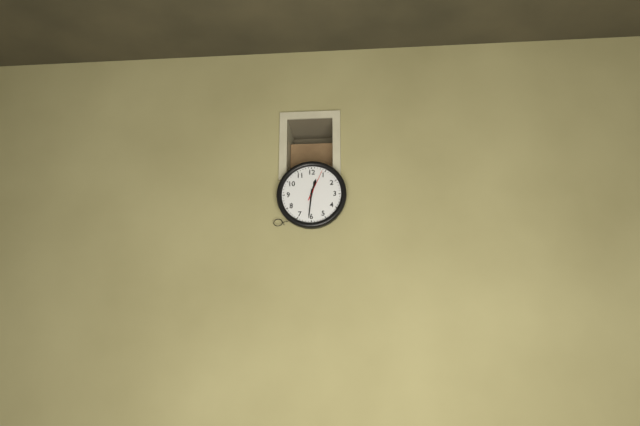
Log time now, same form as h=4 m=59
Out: h=12 m=31
